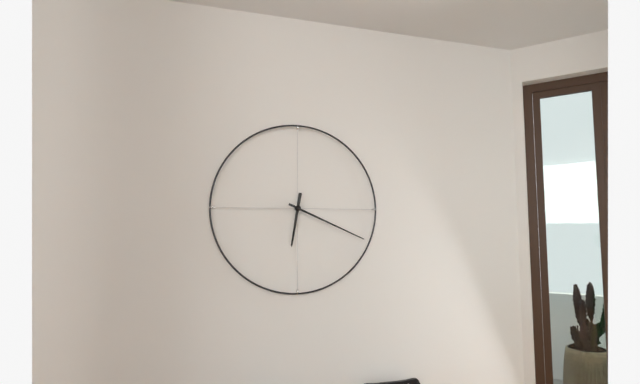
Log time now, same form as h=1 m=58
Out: h=6 m=19
